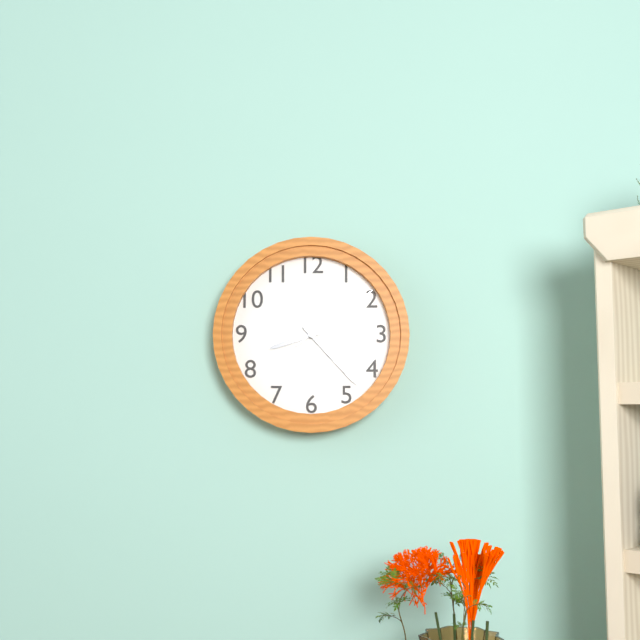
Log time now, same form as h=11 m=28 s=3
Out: h=8 m=23 s=9
